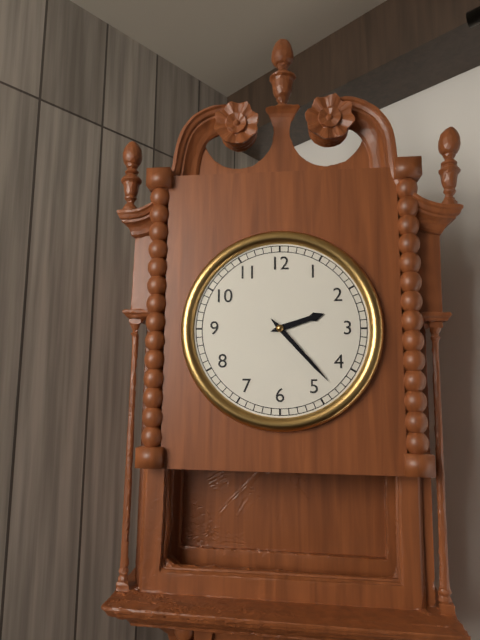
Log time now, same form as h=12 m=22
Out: h=2 m=23
